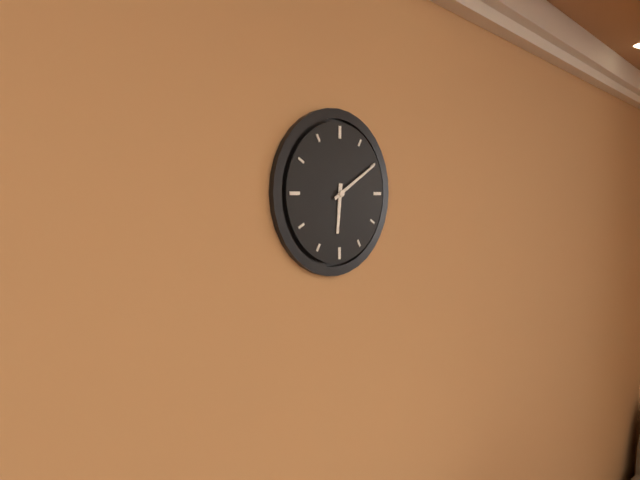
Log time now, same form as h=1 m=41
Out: h=6 m=10
